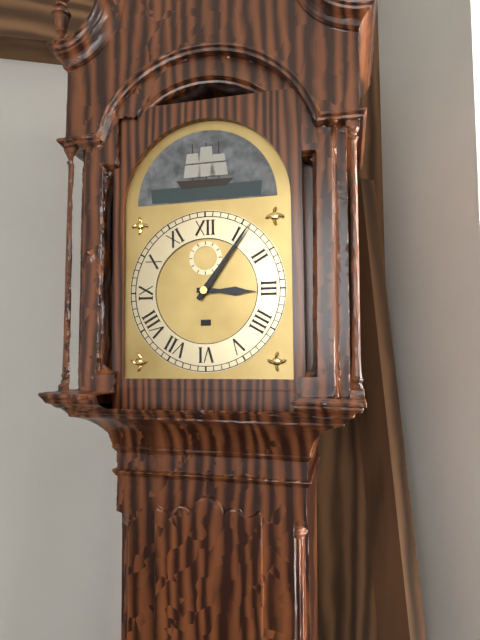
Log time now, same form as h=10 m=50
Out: h=3 m=6
